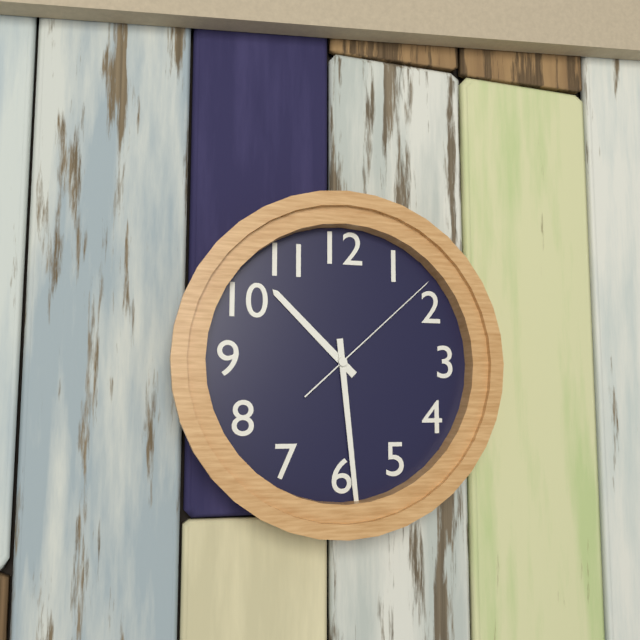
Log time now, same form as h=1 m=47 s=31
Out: h=10 m=29 s=8
